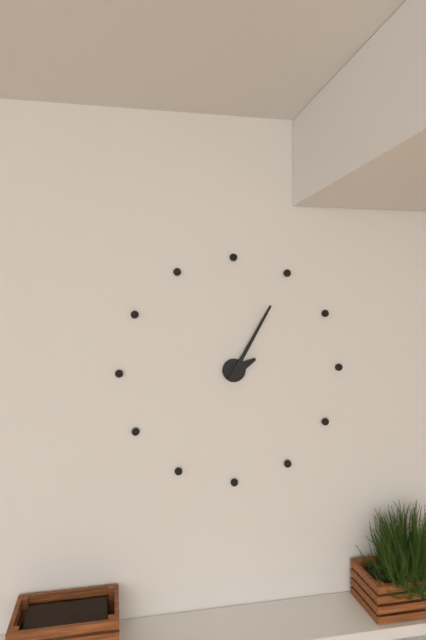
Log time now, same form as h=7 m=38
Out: h=2 m=5
